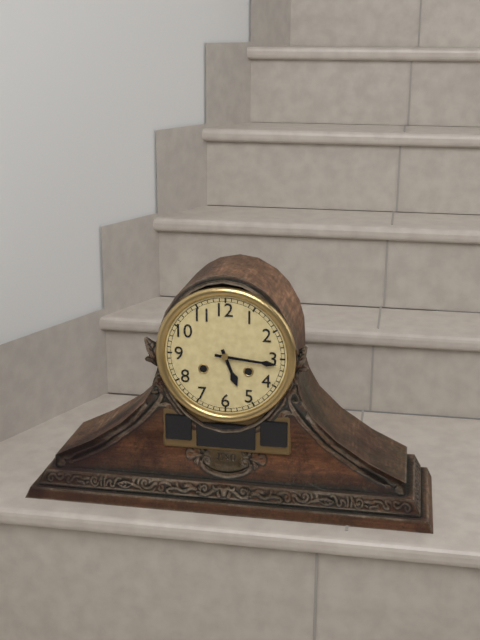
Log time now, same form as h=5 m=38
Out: h=5 m=16
